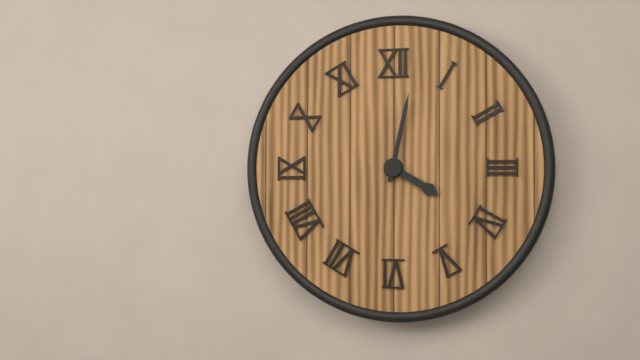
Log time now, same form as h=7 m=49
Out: h=4 m=2
